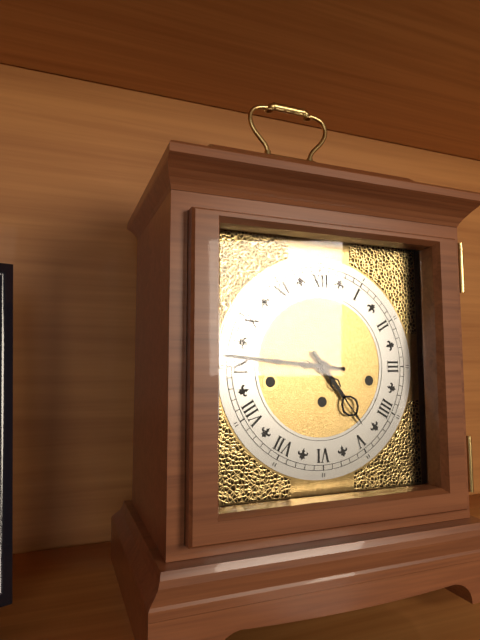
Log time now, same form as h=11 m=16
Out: h=4 m=46
